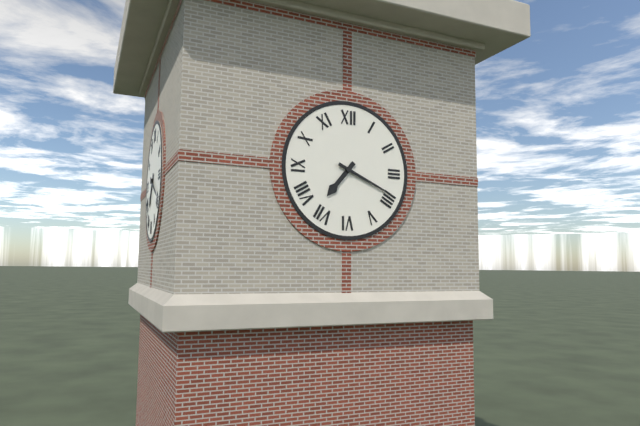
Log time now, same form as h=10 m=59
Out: h=7 m=19
